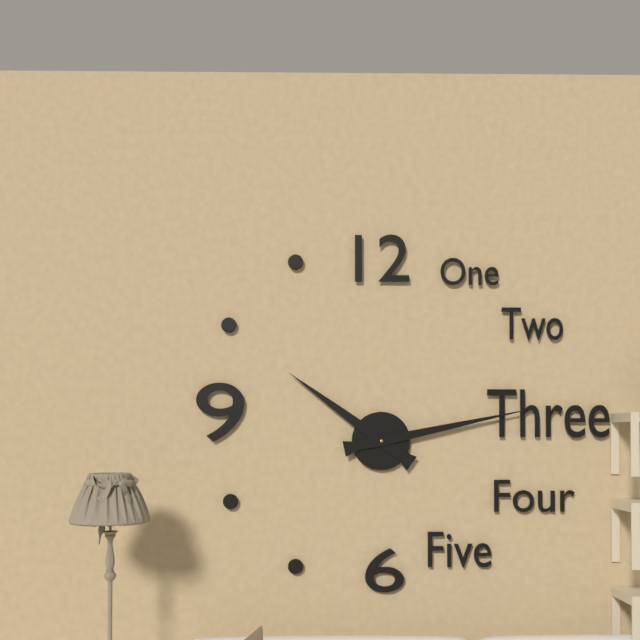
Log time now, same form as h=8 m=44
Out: h=10 m=13
